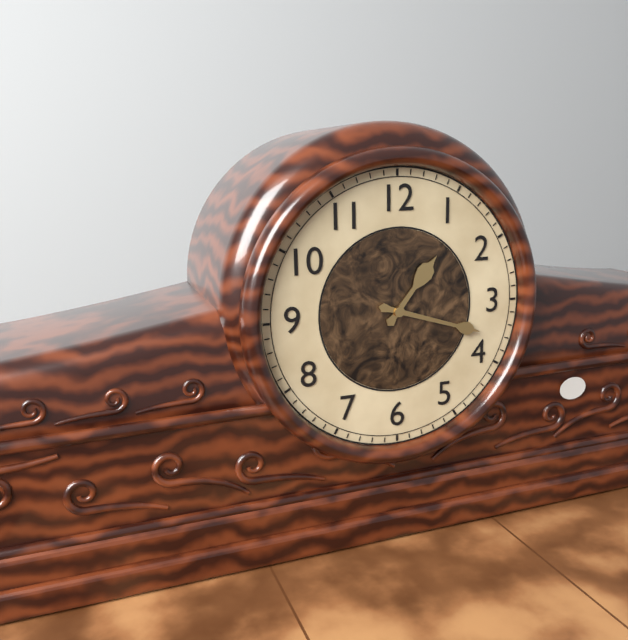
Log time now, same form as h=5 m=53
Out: h=1 m=18
